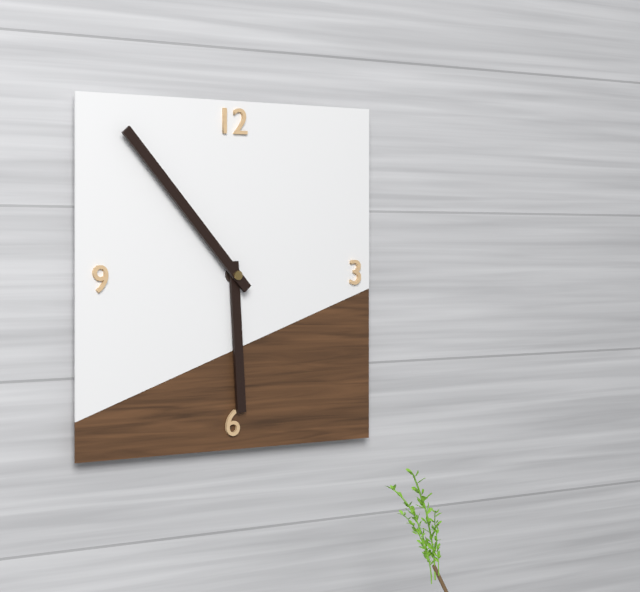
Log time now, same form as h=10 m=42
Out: h=5 m=53
